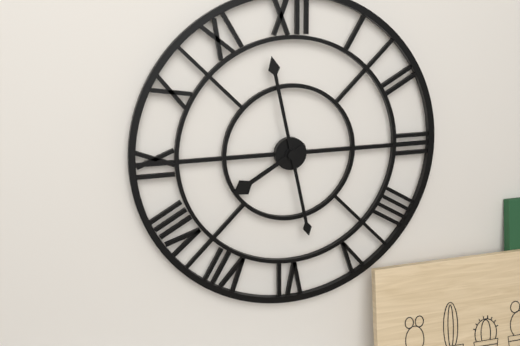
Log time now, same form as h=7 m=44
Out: h=7 m=58
